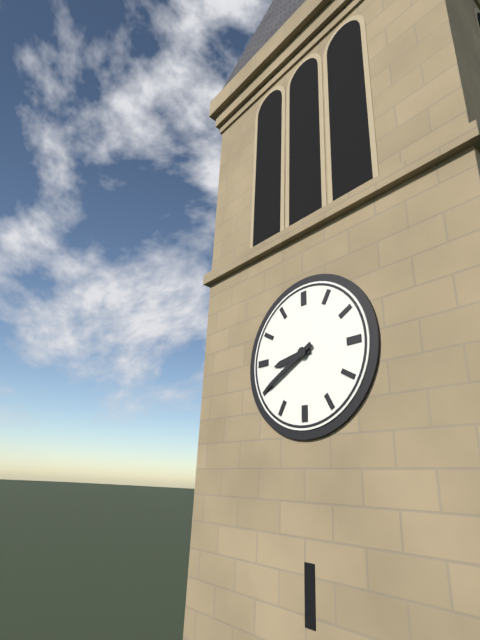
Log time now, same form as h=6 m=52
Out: h=8 m=40
